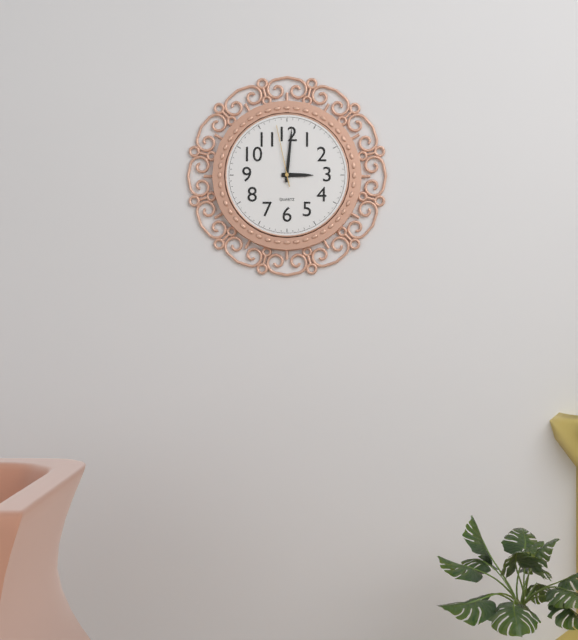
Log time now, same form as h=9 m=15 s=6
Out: h=3 m=1 s=58
